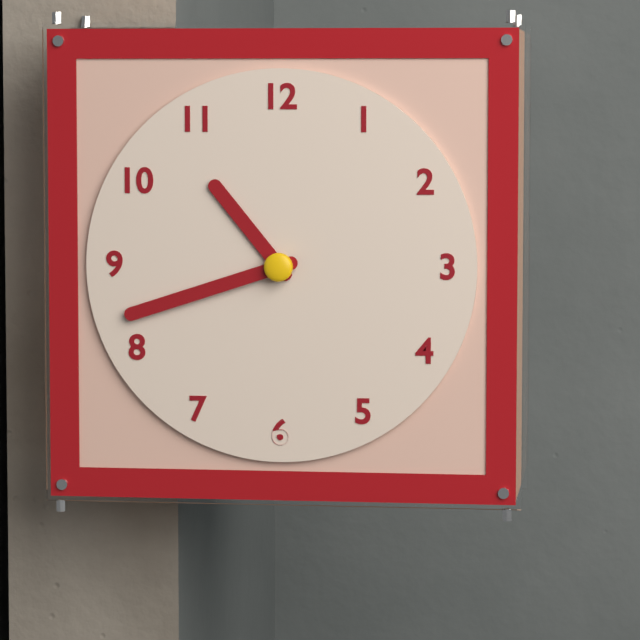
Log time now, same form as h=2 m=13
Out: h=10 m=42
